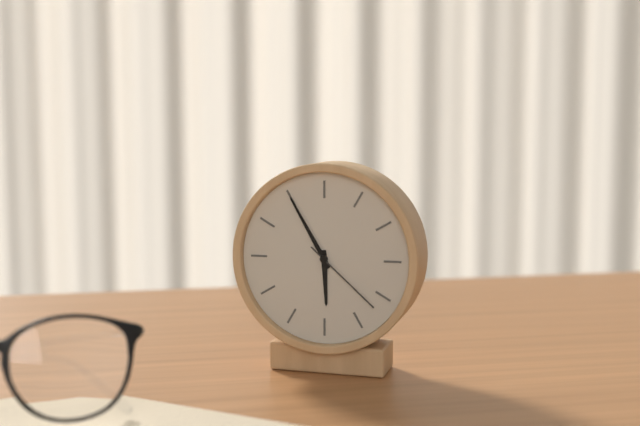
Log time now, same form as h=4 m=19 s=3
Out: h=5 m=55 s=22
